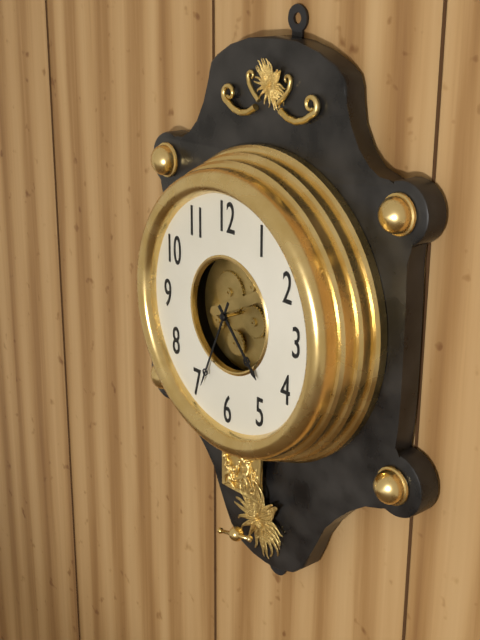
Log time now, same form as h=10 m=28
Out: h=4 m=34
